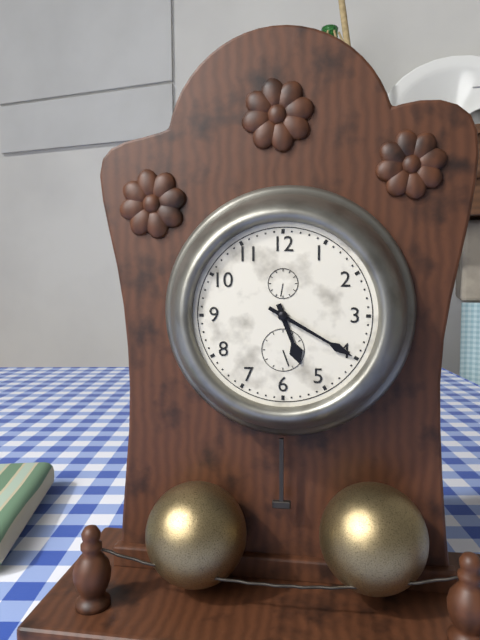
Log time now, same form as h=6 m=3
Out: h=5 m=20
